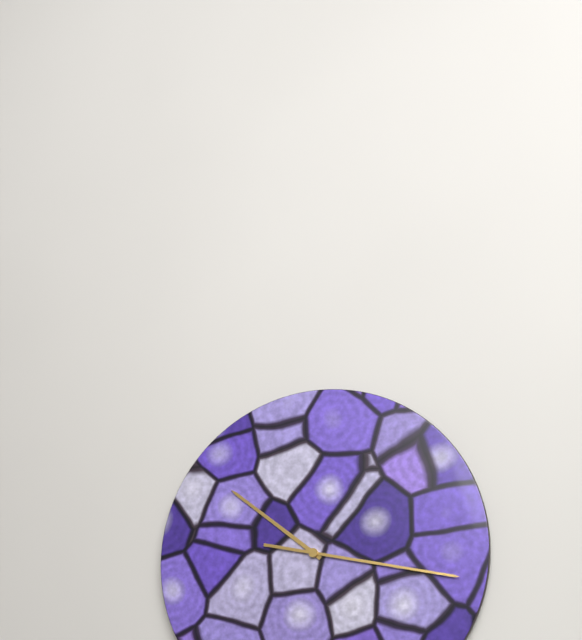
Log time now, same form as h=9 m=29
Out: h=10 m=17
